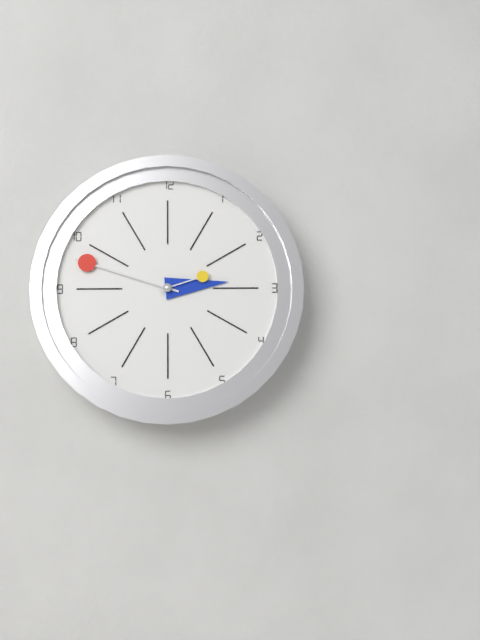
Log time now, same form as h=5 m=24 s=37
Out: h=2 m=48 s=12
